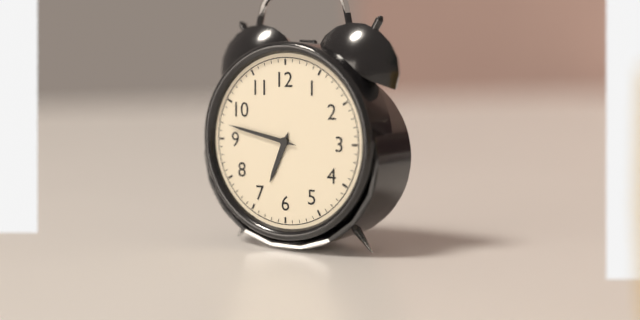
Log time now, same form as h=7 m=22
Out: h=6 m=47
